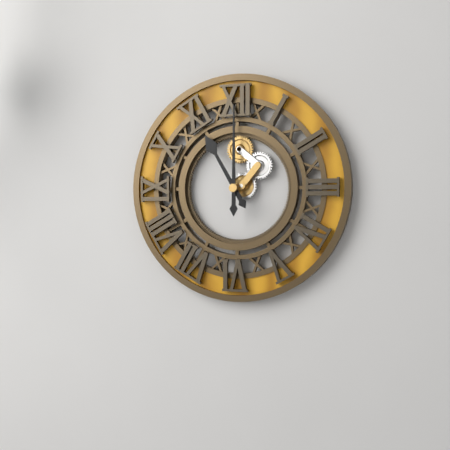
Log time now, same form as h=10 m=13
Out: h=11 m=0
